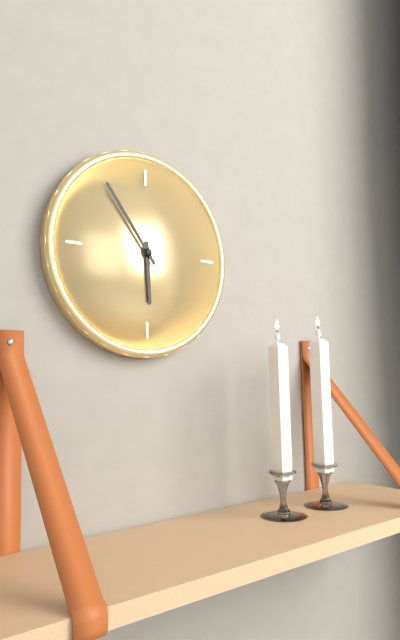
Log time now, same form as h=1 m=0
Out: h=5 m=54
